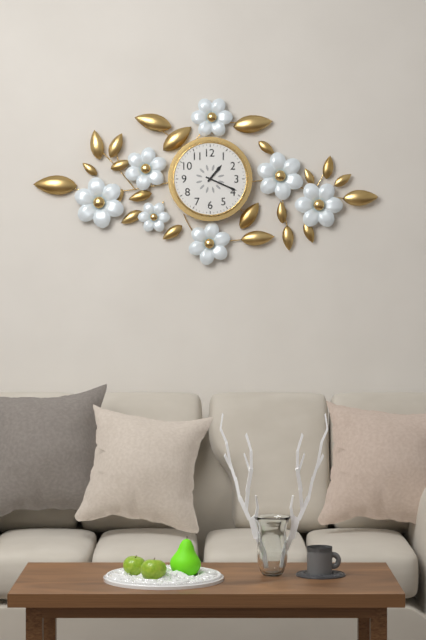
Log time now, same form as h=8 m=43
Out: h=1 m=19
